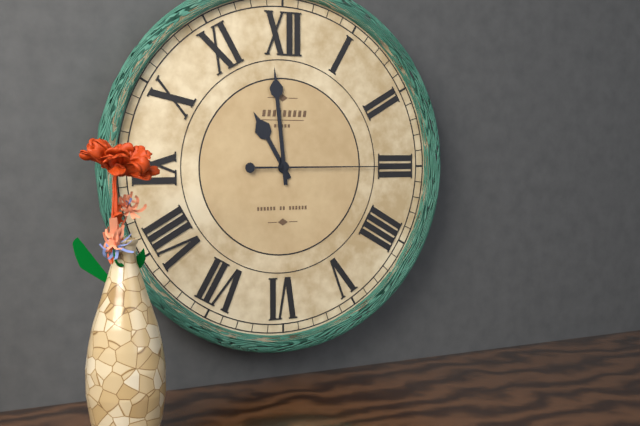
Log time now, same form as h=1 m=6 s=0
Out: h=10 m=59 s=15
